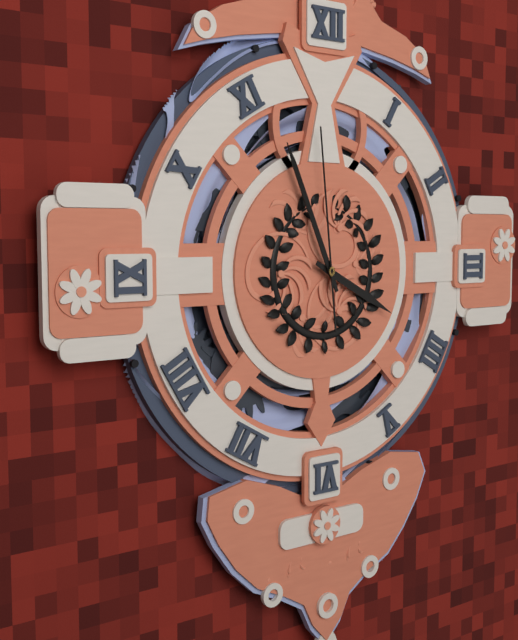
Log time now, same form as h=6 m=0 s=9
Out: h=3 m=56 s=59
